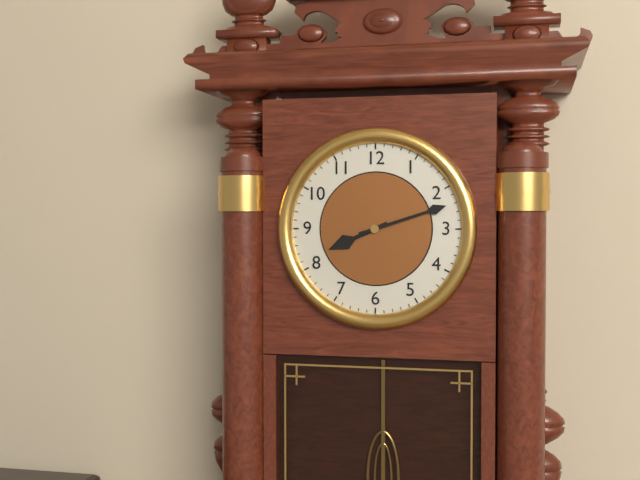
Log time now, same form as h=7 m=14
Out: h=8 m=12
